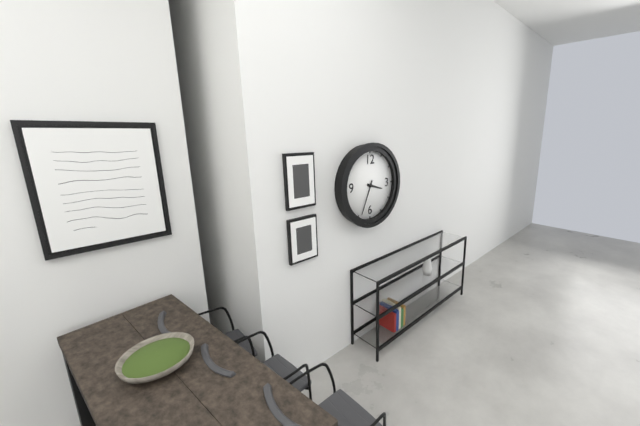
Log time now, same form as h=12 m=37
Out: h=3 m=34
